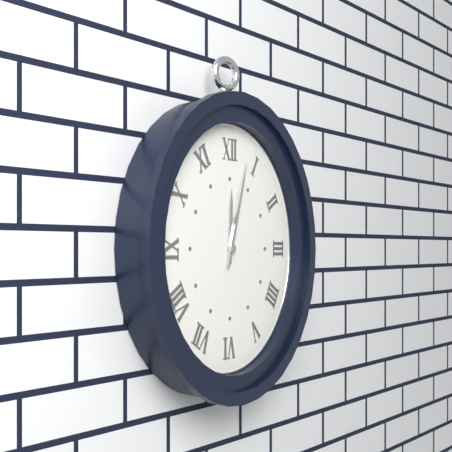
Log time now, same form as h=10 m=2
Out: h=12 m=3
